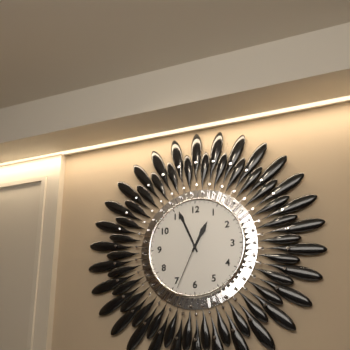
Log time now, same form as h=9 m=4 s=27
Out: h=12 m=56 s=34
